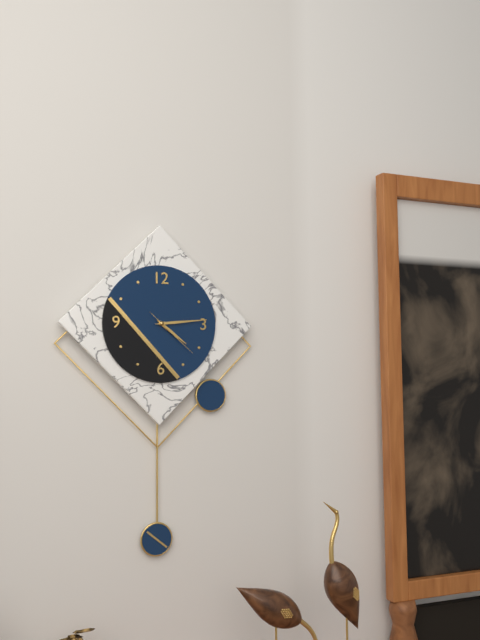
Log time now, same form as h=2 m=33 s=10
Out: h=4 m=14 s=22
